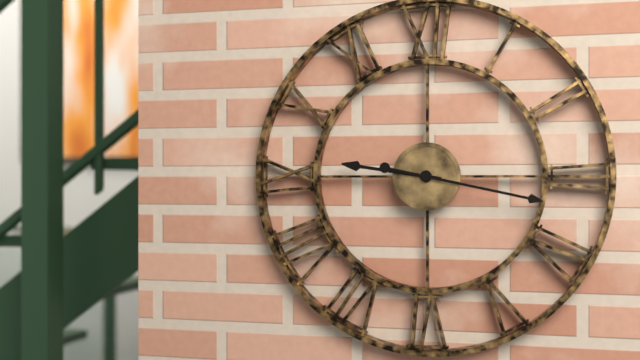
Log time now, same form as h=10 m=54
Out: h=9 m=17
